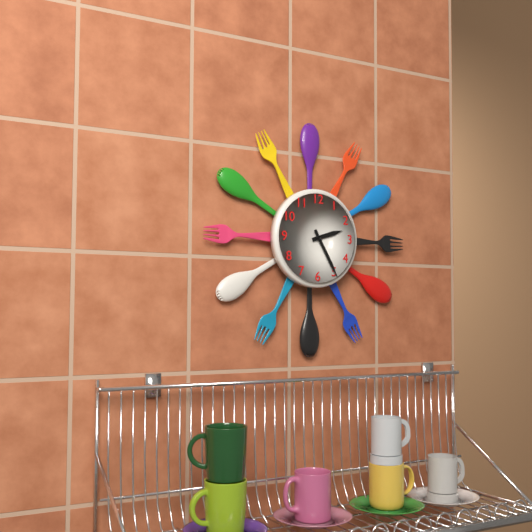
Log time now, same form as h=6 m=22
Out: h=2 m=25
